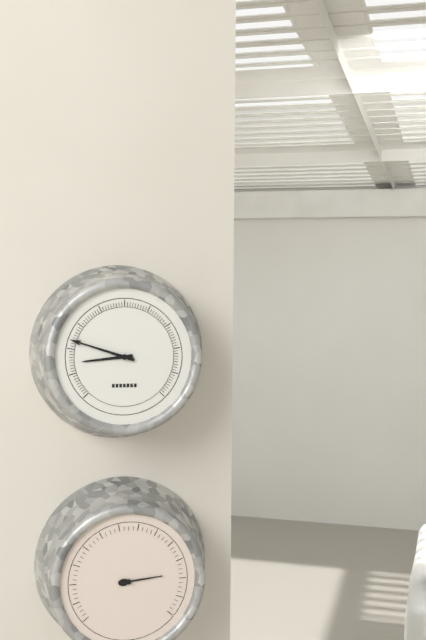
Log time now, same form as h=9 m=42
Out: h=8 m=48
